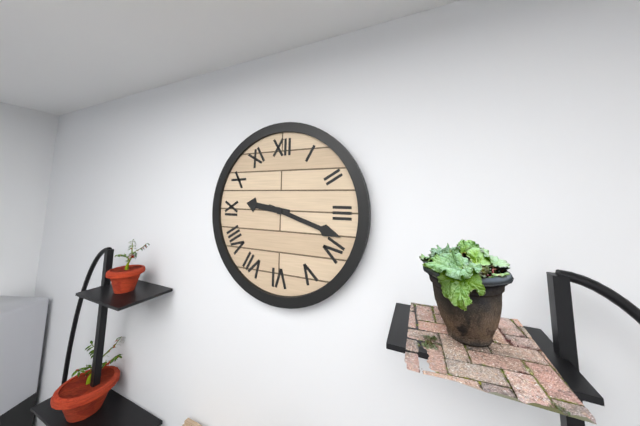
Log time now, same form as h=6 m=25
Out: h=9 m=18
